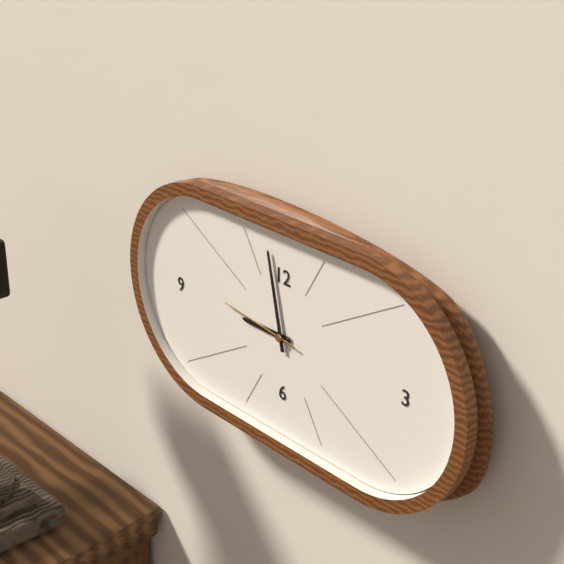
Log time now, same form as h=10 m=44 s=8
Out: h=8 m=58 s=46
